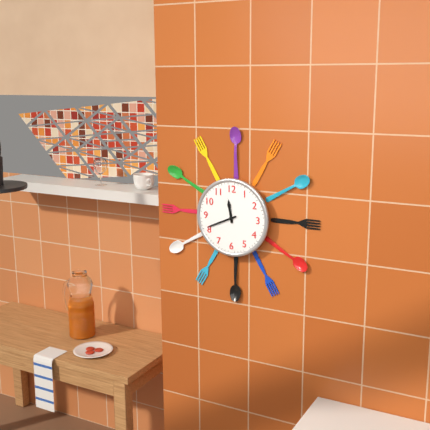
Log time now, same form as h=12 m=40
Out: h=11 m=41
